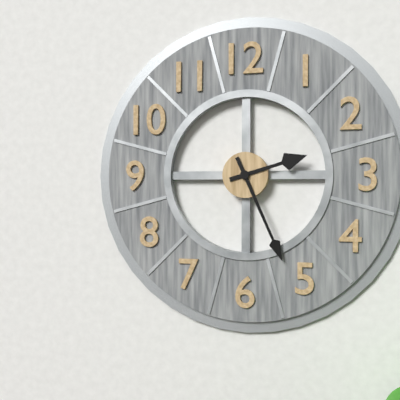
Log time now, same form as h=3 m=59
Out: h=2 m=26
